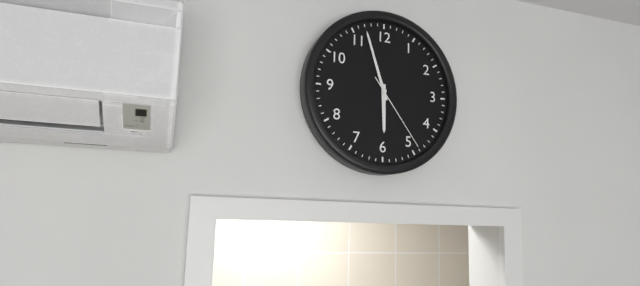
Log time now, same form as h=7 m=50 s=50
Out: h=5 m=57 s=24
